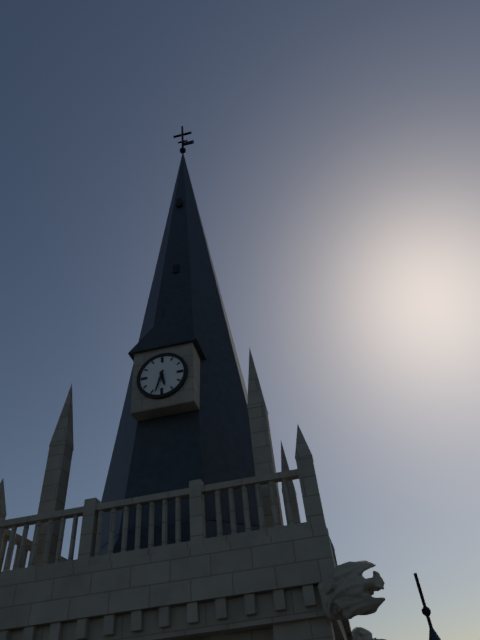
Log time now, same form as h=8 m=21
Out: h=5 m=33
